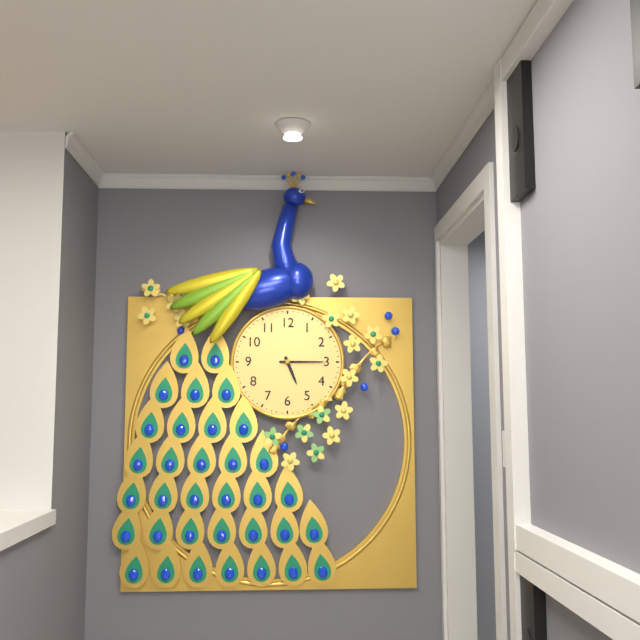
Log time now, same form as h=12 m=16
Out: h=5 m=15
